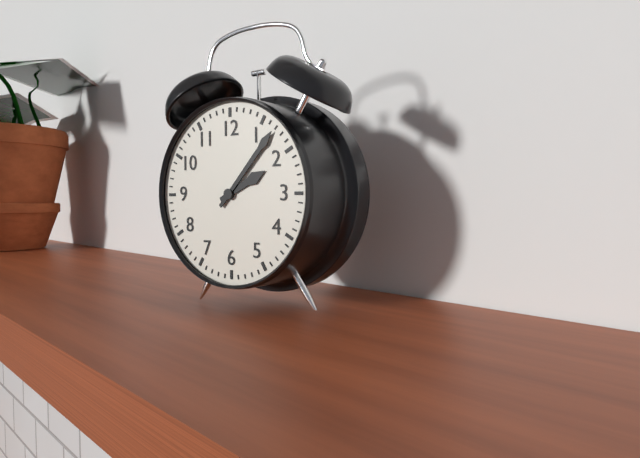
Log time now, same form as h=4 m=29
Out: h=2 m=7
